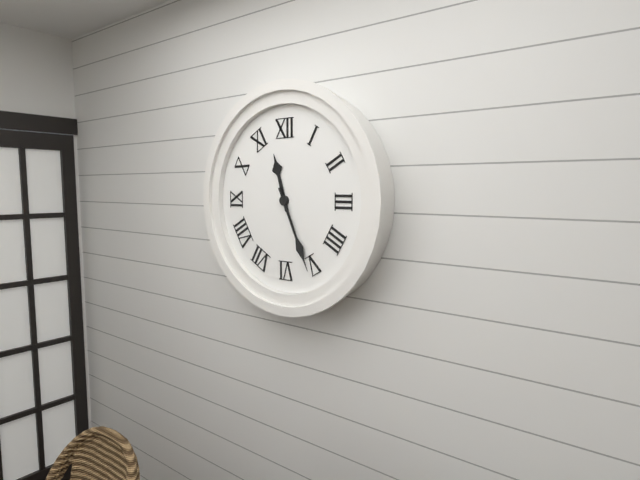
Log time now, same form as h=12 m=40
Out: h=11 m=26
